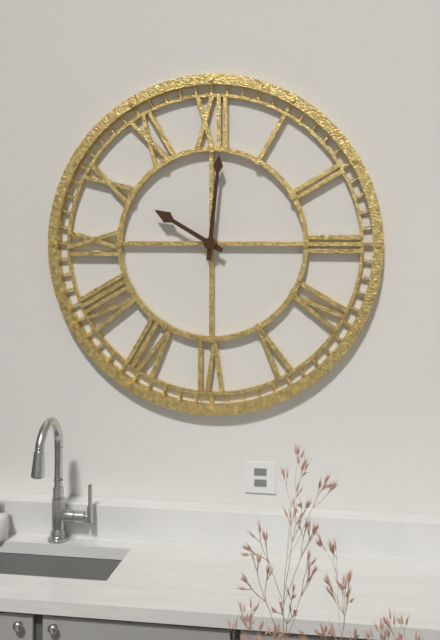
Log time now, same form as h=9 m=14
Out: h=10 m=1
